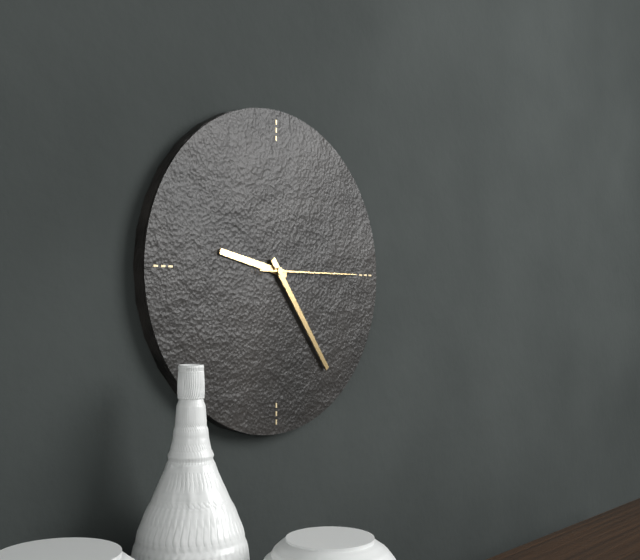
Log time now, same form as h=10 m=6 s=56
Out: h=9 m=24 s=15
